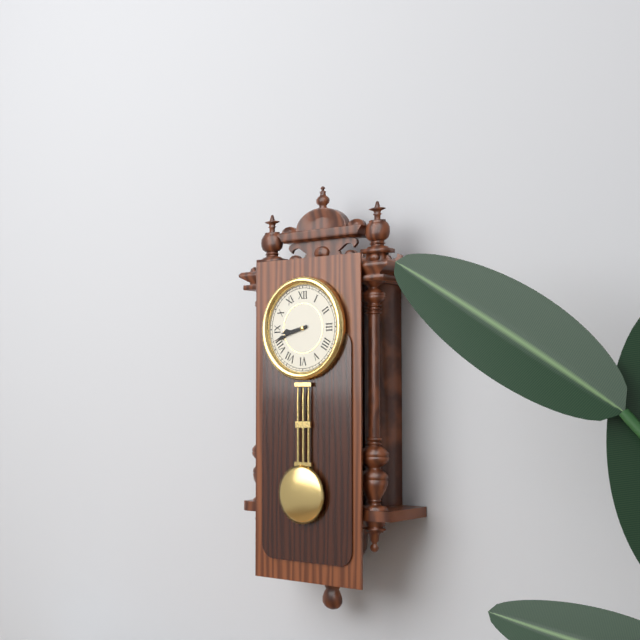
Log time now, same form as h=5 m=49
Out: h=8 m=42
